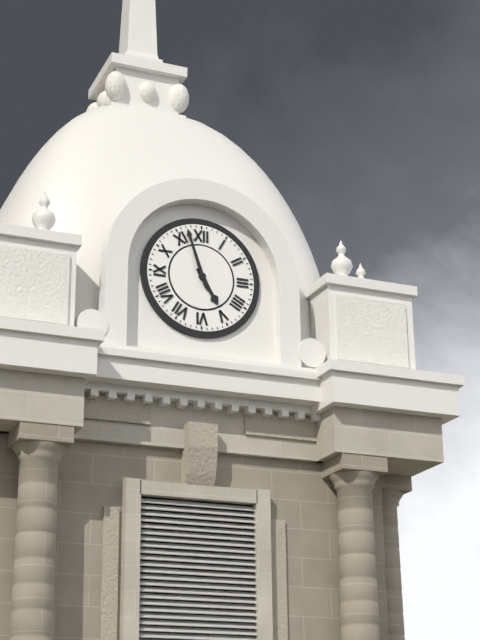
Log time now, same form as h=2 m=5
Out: h=4 m=57
